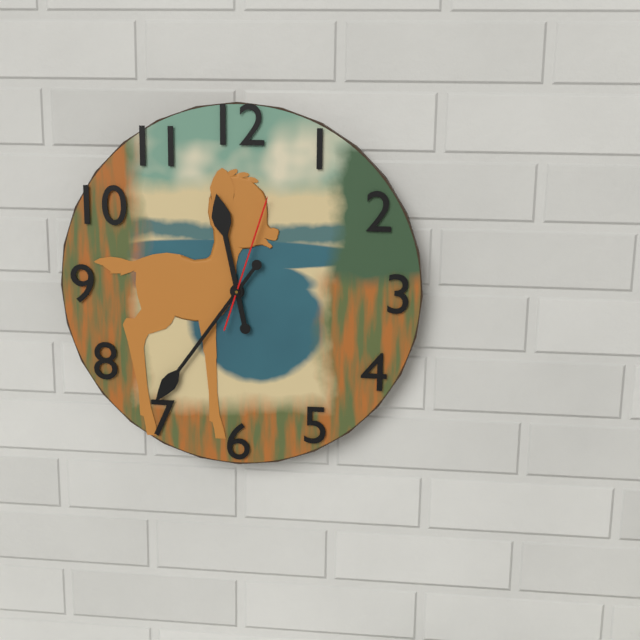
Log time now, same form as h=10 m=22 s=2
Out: h=11 m=36 s=3
